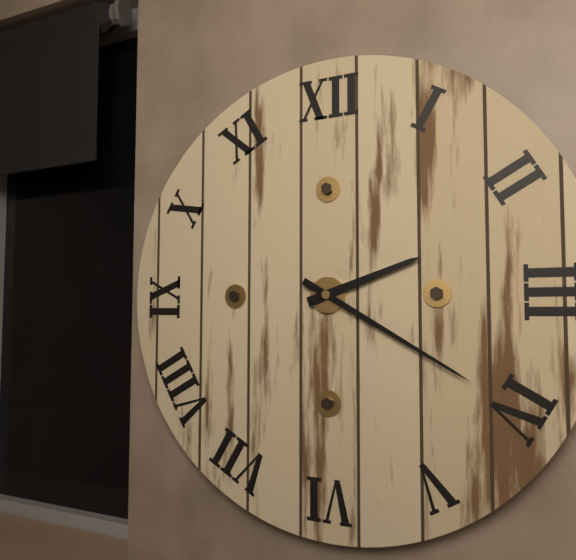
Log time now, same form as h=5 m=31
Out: h=2 m=20
